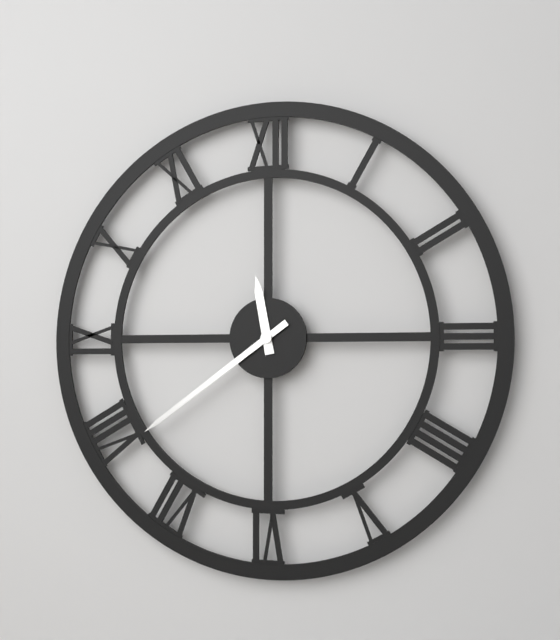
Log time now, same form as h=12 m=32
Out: h=11 m=39
